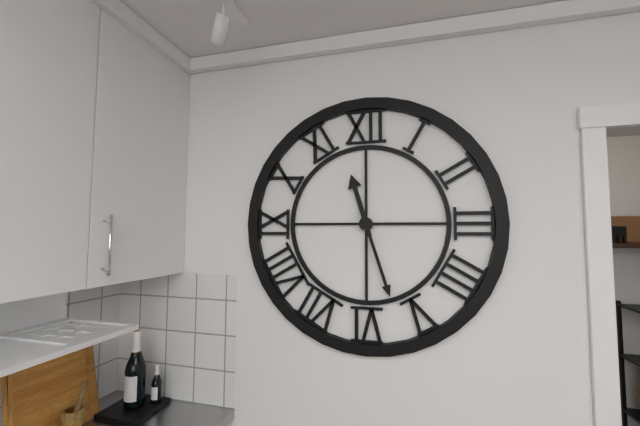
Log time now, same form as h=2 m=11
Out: h=11 m=27
